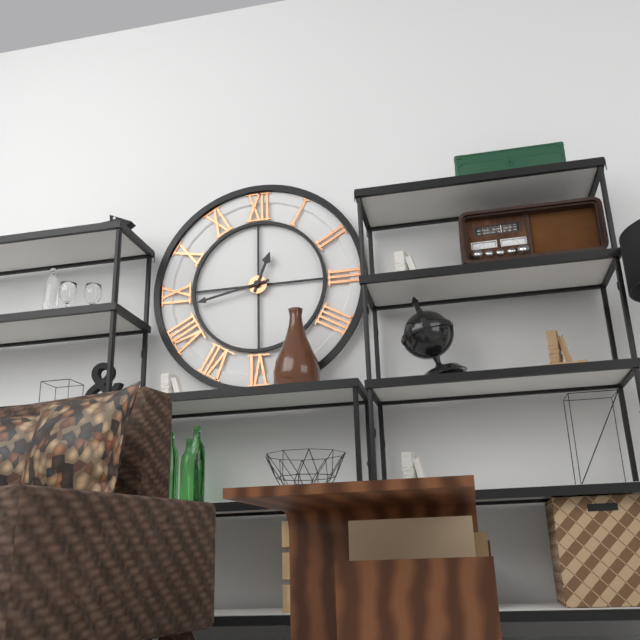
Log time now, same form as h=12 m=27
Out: h=12 m=43
